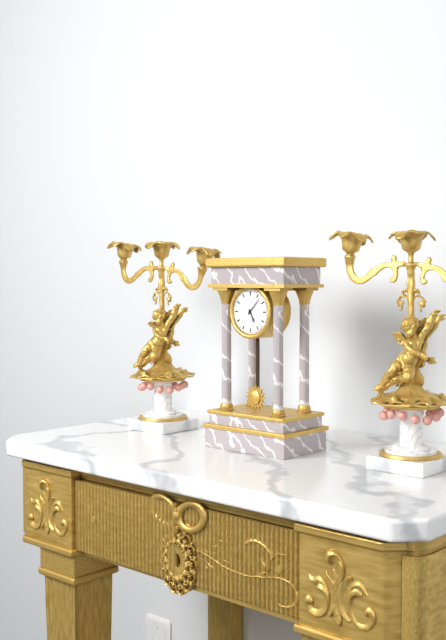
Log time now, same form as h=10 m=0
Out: h=5 m=7
